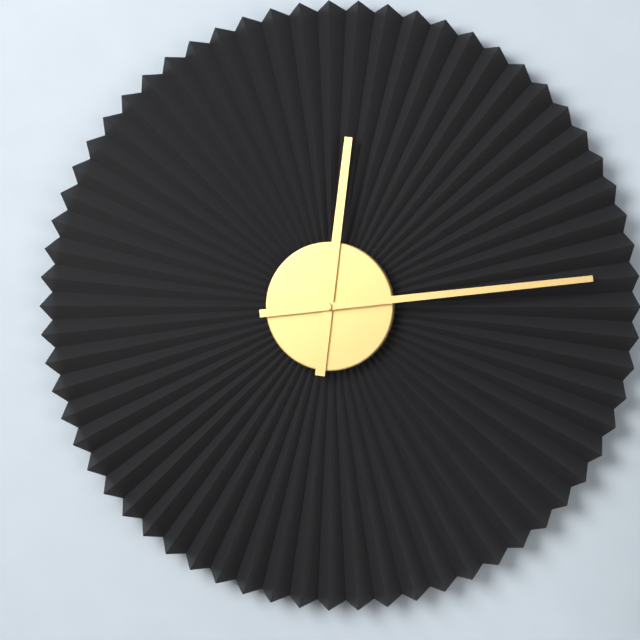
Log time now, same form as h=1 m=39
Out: h=12 m=14
